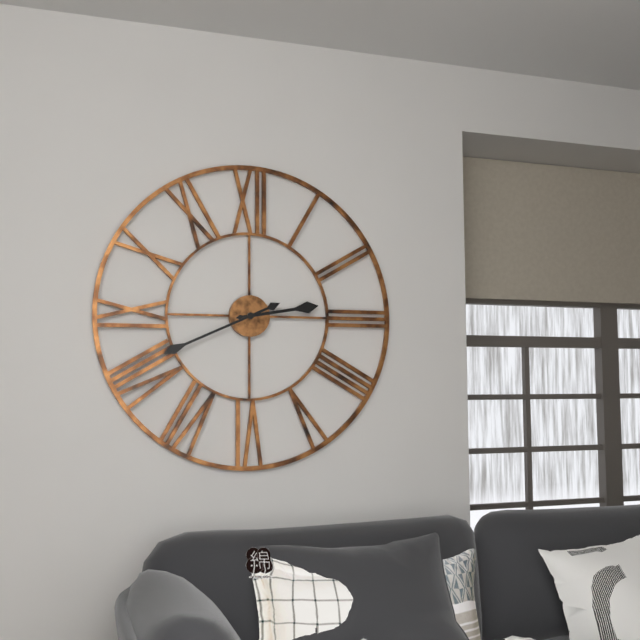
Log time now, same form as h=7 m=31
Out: h=2 m=41
